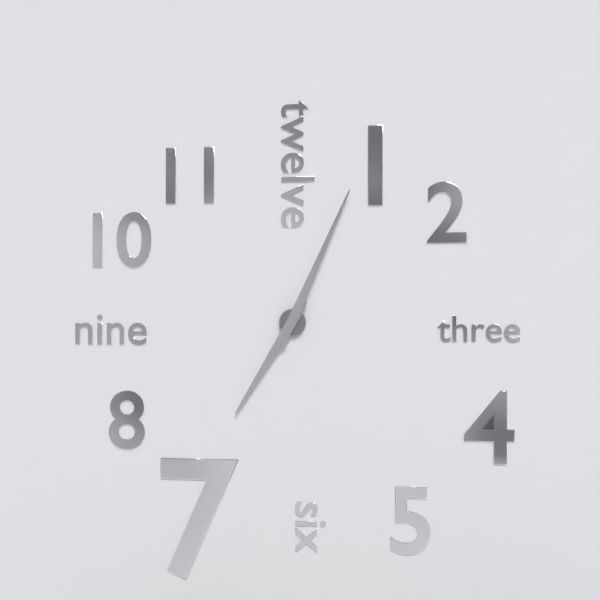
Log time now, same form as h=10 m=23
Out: h=7 m=4
